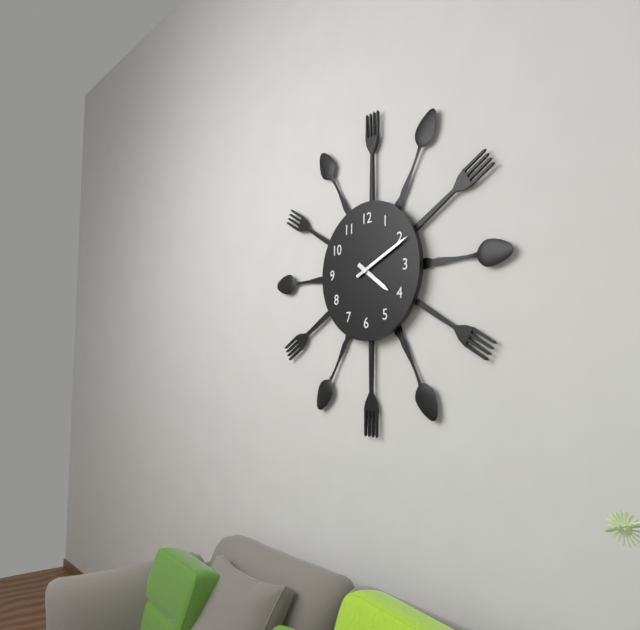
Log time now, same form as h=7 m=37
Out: h=4 m=11
